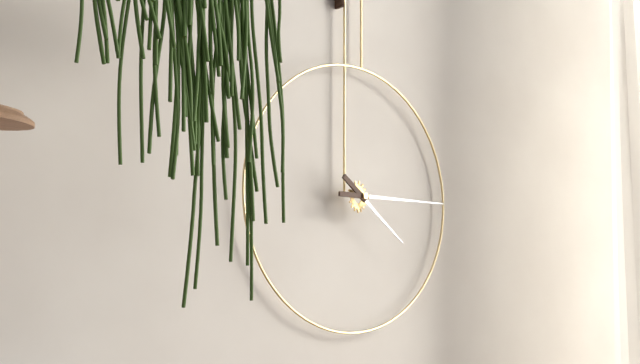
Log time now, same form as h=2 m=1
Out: h=4 m=15
